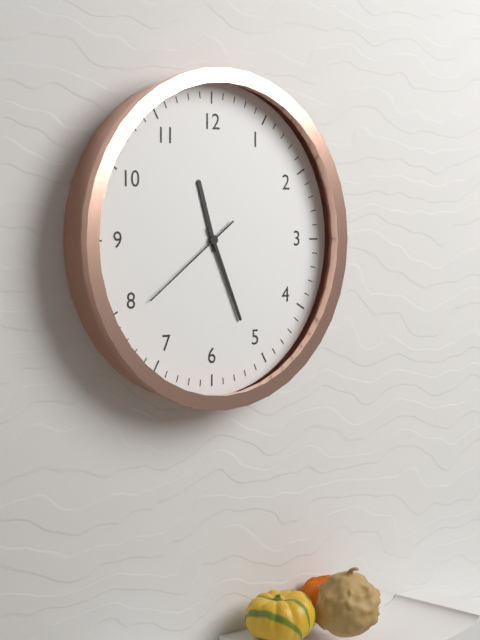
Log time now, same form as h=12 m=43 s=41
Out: h=11 m=26 s=39
